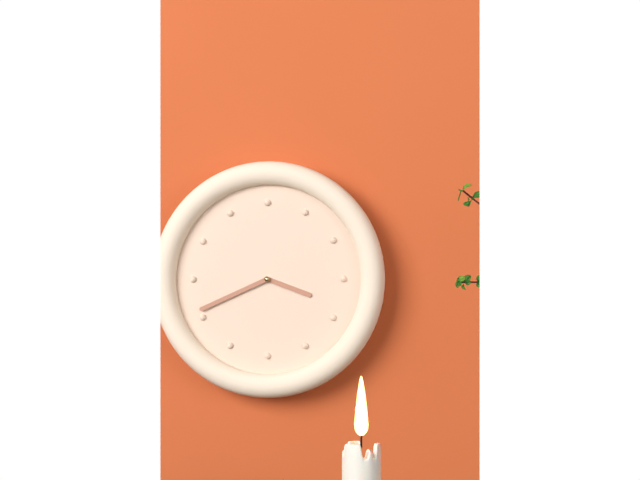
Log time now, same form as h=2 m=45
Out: h=3 m=41
